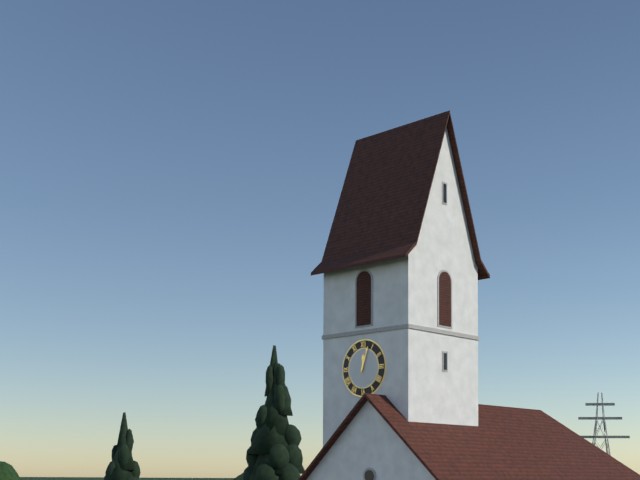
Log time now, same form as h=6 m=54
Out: h=12 m=3
